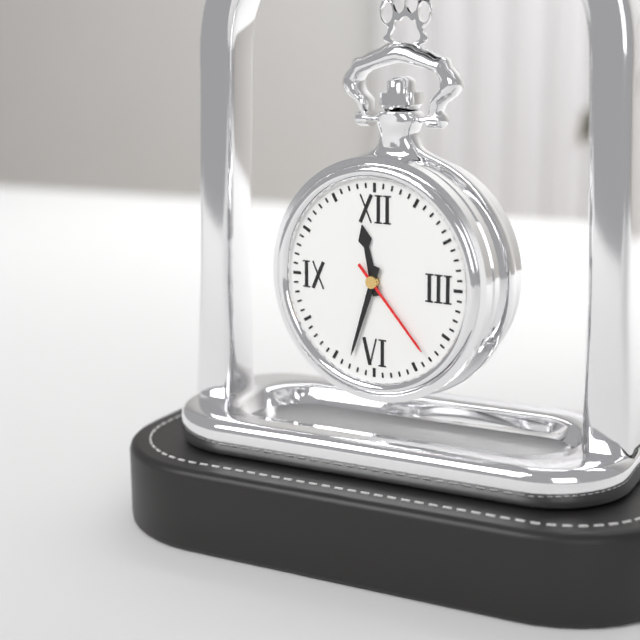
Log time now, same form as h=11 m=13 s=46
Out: h=11 m=33 s=23
